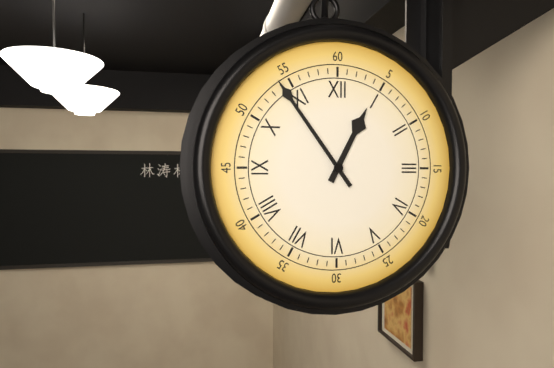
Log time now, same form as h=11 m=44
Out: h=12 m=54
